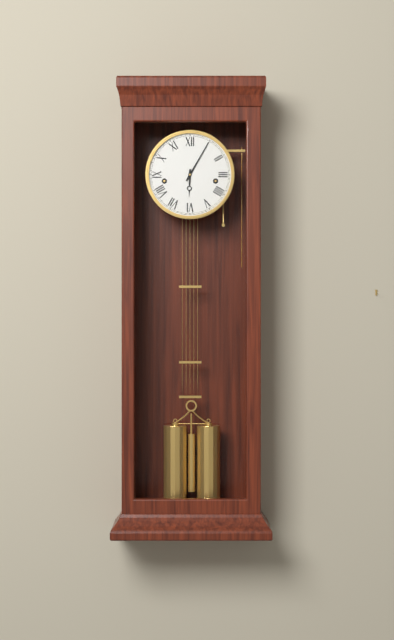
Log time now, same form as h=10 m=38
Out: h=6 m=5
